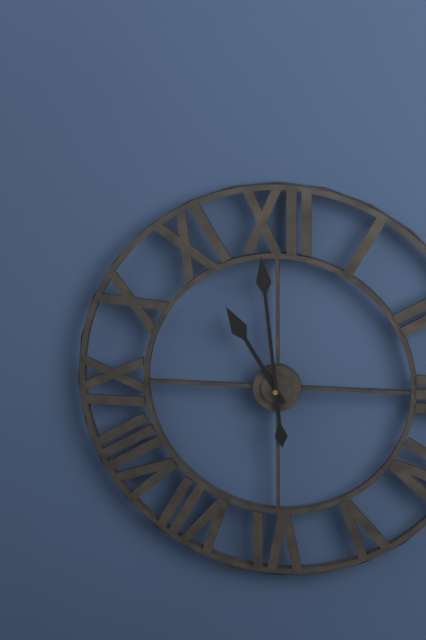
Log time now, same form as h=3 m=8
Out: h=10 m=59
